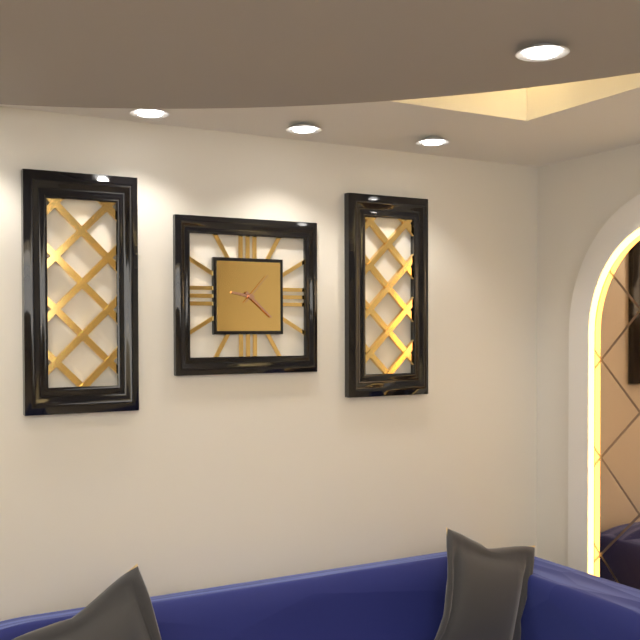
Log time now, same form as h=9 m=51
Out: h=9 m=22
